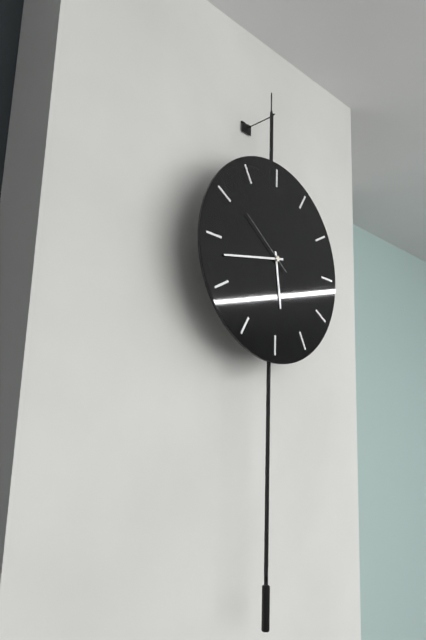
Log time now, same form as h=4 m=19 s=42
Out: h=5 m=43 s=51
